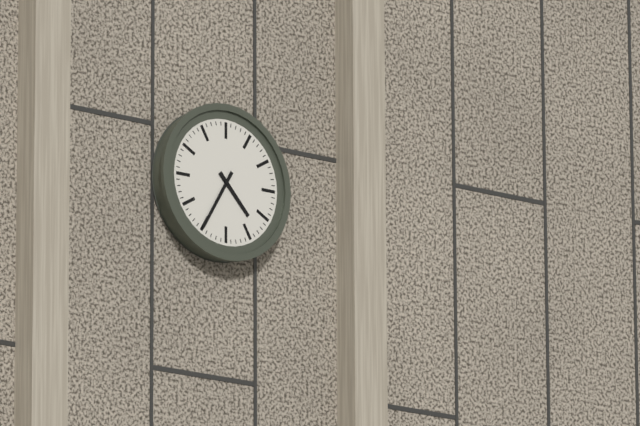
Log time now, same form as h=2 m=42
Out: h=4 m=35
